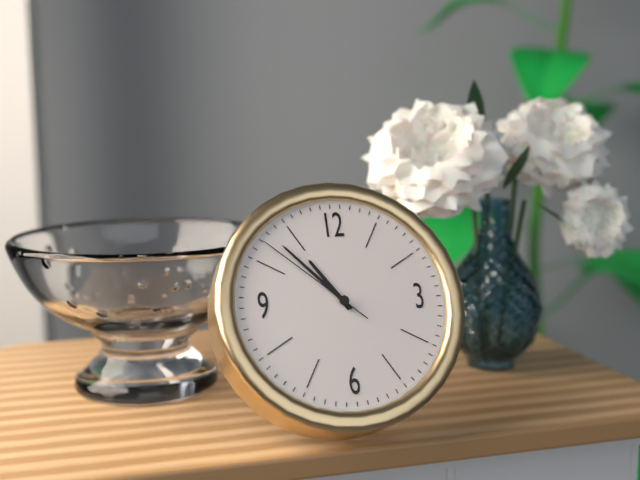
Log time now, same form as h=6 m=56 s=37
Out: h=10 m=53 s=52
